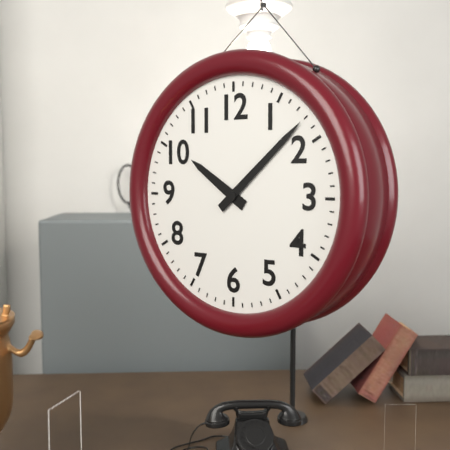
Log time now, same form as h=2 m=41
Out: h=10 m=8
